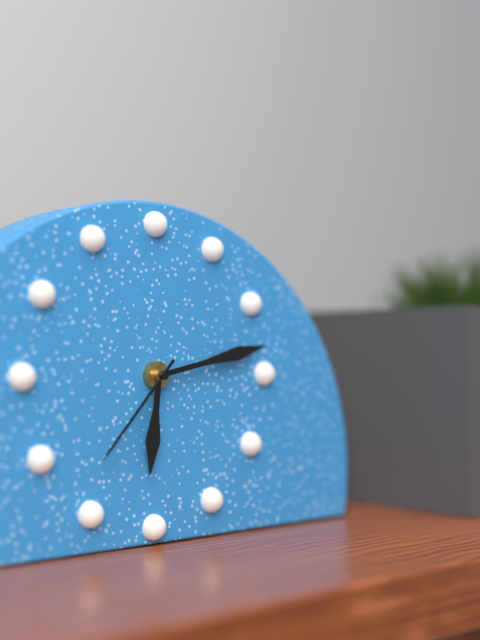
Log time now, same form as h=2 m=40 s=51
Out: h=6 m=13 s=37
